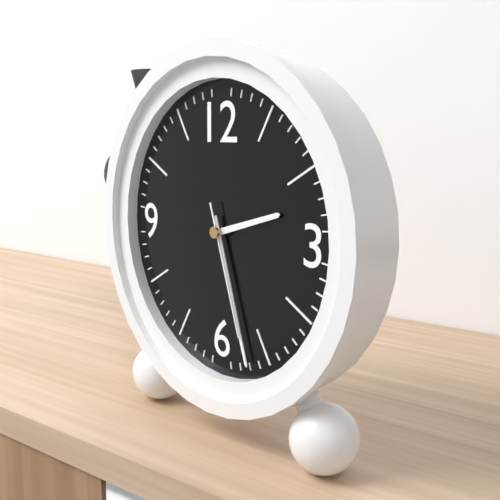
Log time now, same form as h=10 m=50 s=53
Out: h=2 m=27 s=27
